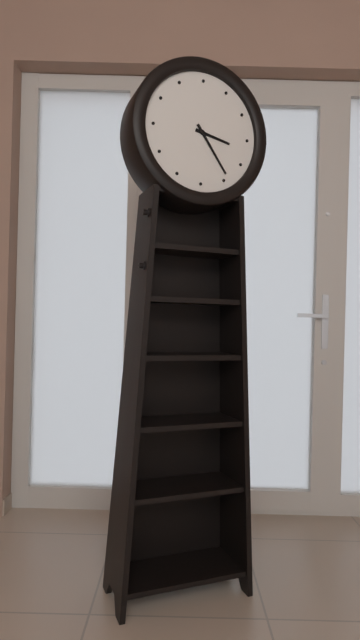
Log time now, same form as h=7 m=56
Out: h=3 m=24
